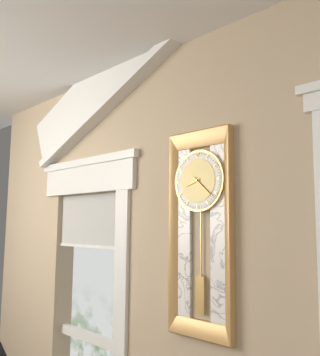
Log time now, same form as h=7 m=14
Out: h=8 m=22
